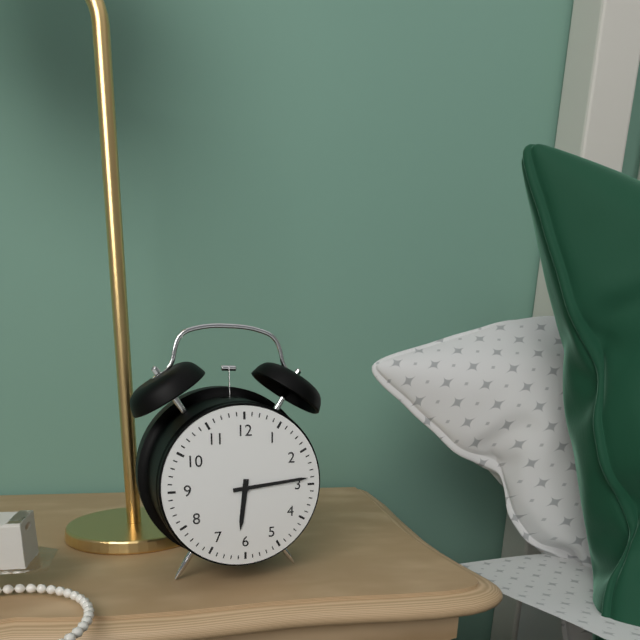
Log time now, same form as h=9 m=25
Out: h=6 m=14
